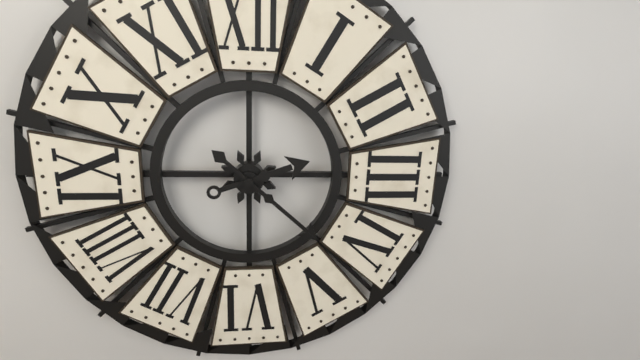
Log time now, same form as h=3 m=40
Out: h=2 m=22
